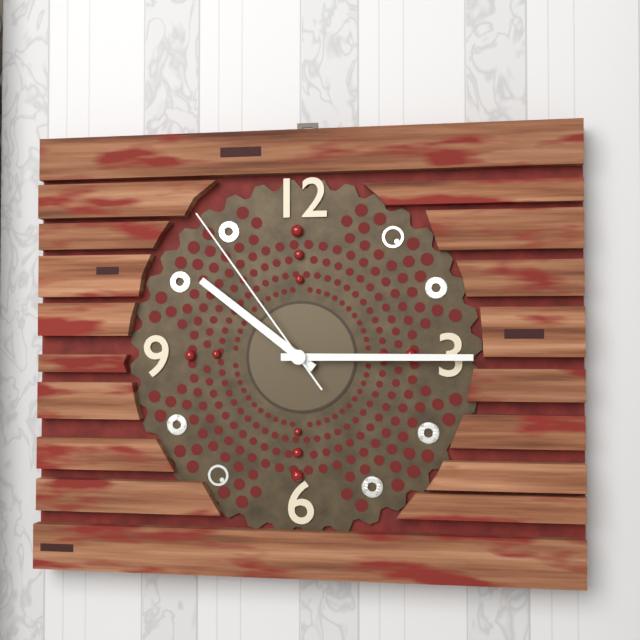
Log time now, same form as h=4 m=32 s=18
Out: h=10 m=15 s=54
